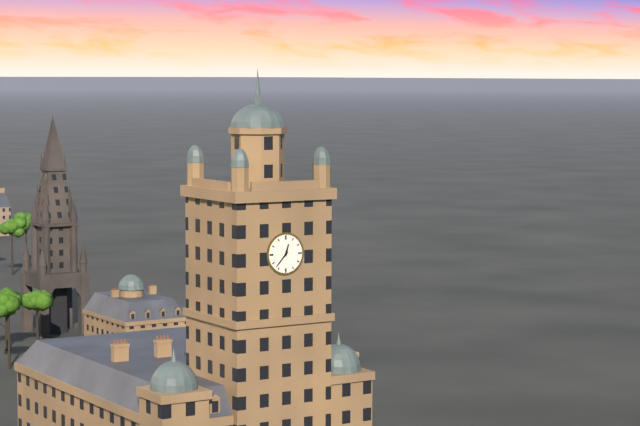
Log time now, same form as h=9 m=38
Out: h=12 m=37
